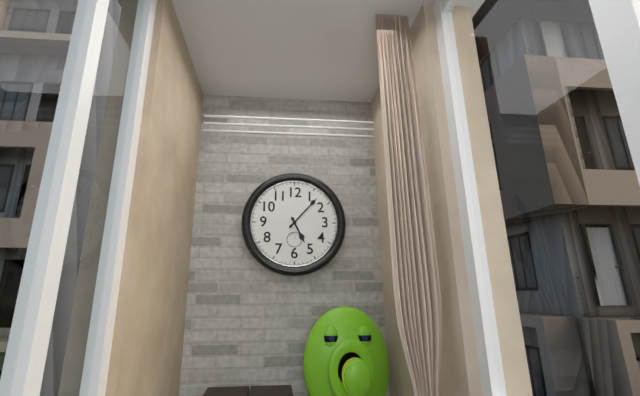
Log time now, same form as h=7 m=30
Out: h=5 m=7
